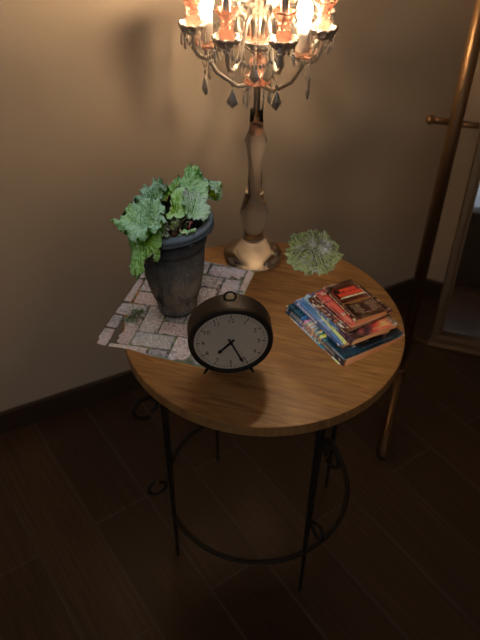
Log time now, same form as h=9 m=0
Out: h=7 m=26
